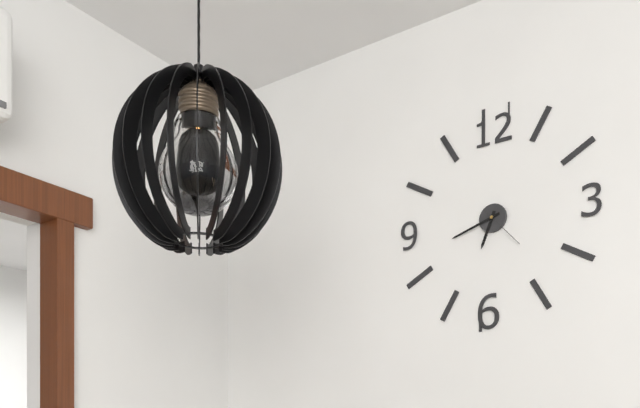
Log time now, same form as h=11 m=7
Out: h=6 m=42
